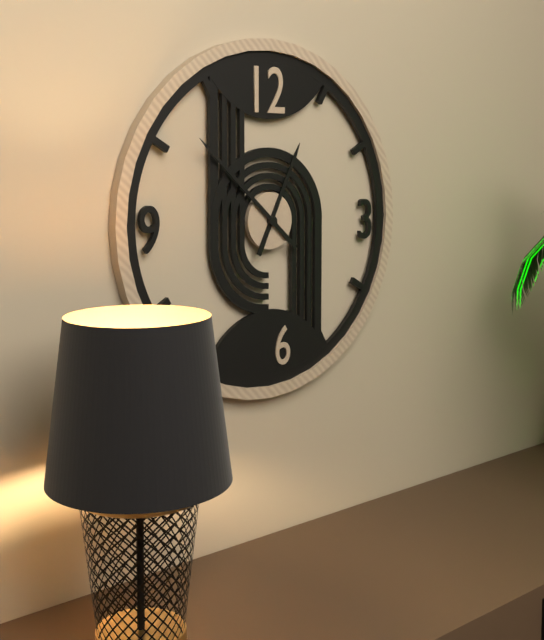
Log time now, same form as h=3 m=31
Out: h=12 m=52
